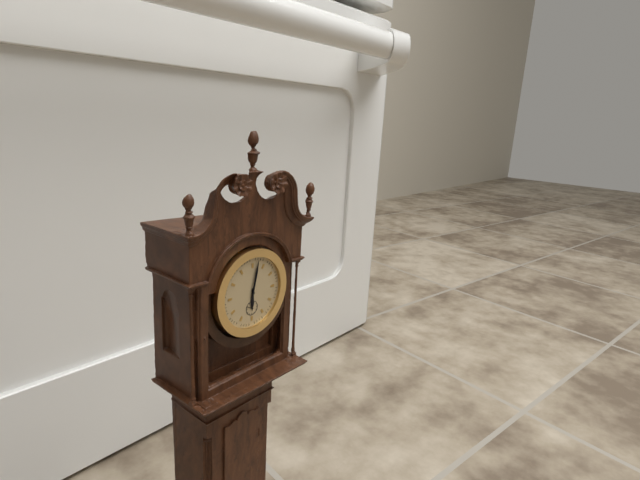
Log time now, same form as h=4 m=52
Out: h=6 m=2
